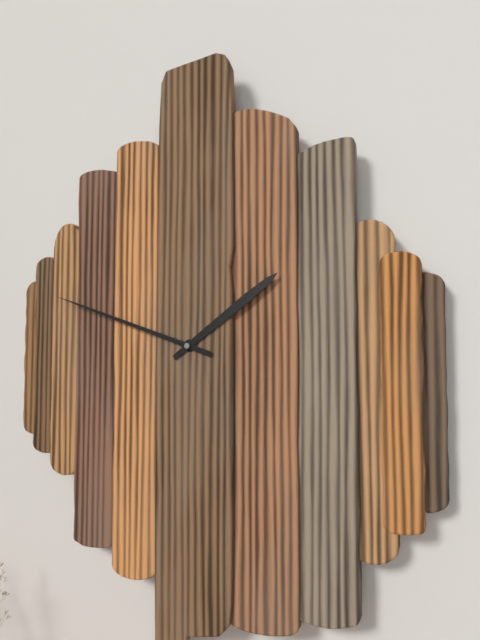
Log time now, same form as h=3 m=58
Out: h=1 m=48
